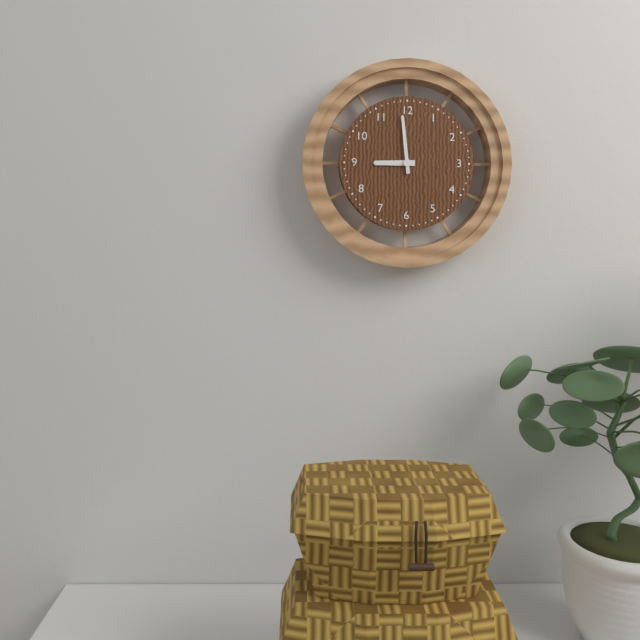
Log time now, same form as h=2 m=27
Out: h=8 m=59
